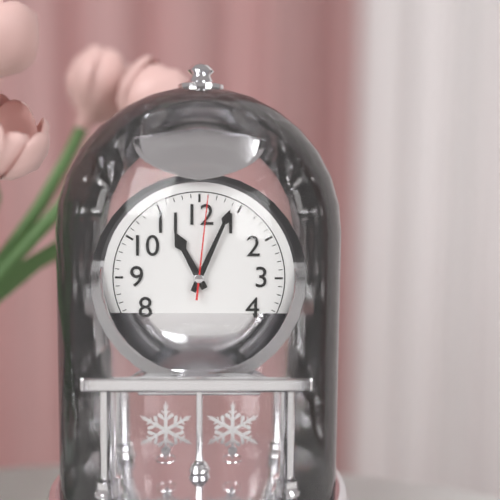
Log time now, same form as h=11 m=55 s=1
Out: h=11 m=4 s=1
